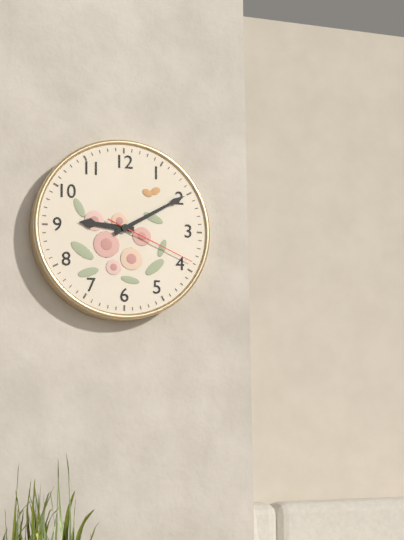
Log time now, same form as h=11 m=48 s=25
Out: h=9 m=10 s=19
